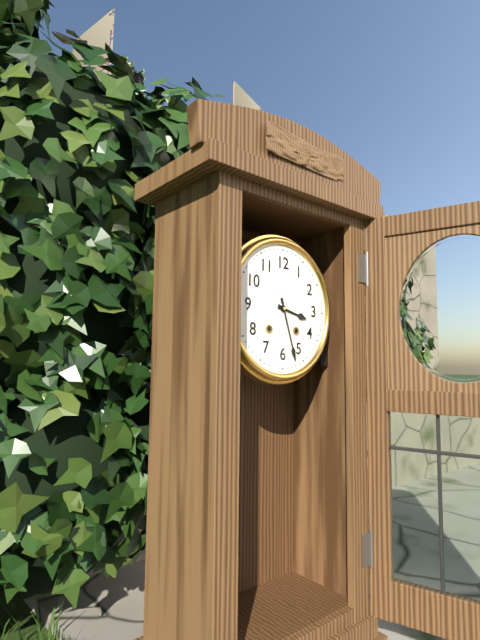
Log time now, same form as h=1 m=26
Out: h=3 m=27
